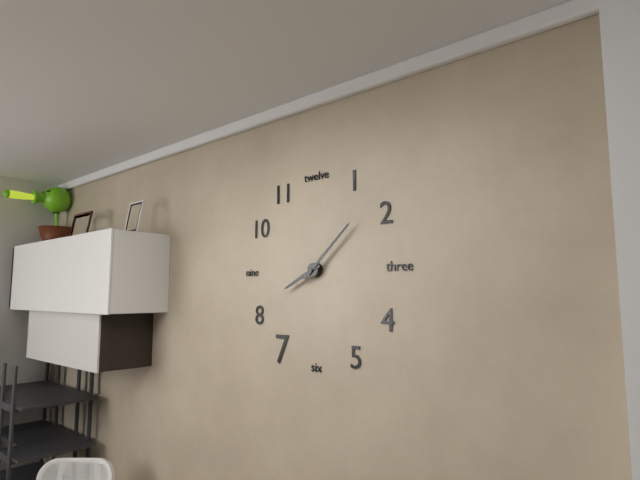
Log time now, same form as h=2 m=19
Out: h=8 m=8
